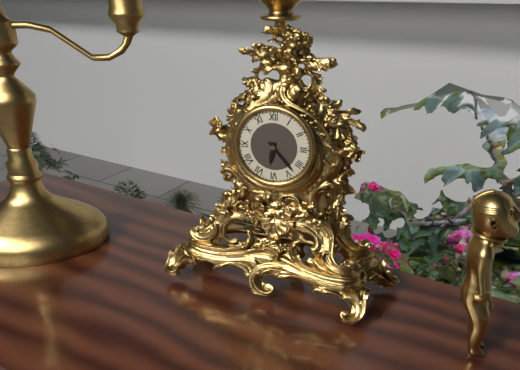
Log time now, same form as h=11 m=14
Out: h=6 m=23
